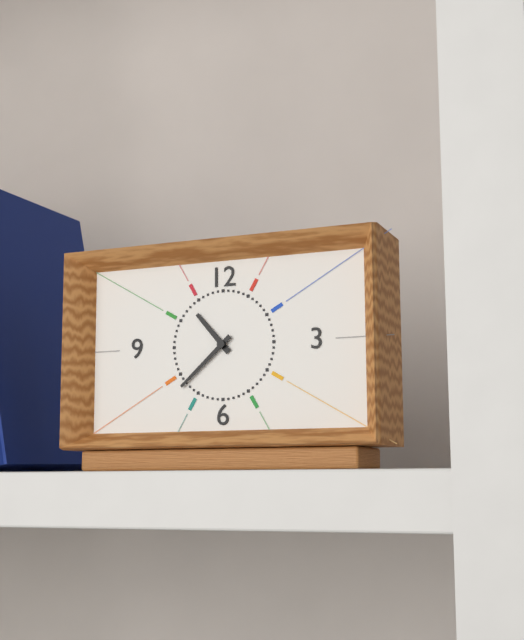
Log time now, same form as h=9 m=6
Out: h=10 m=38
